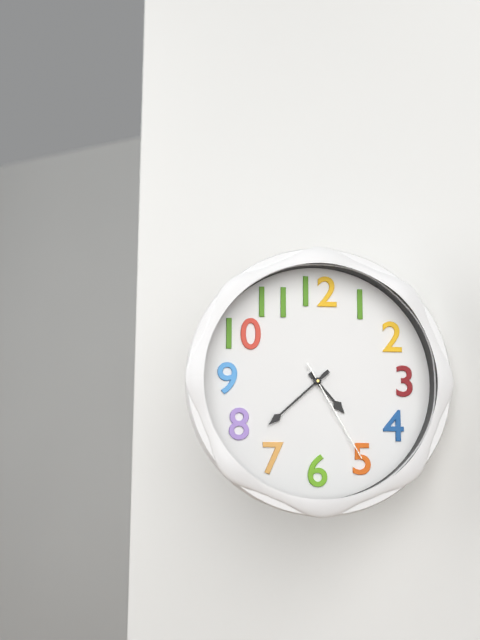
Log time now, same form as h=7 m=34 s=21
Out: h=4 m=38 s=25
